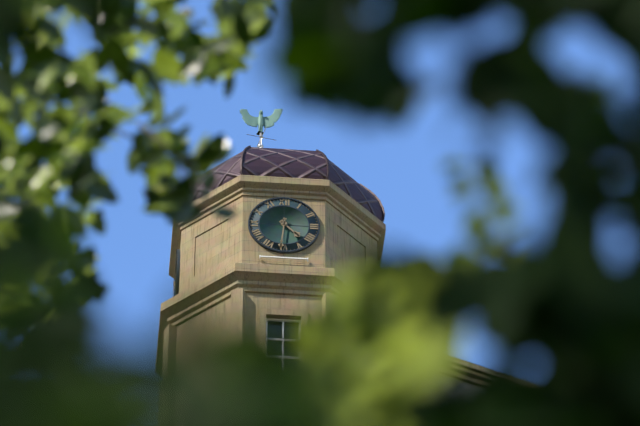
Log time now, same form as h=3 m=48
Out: h=4 m=31
